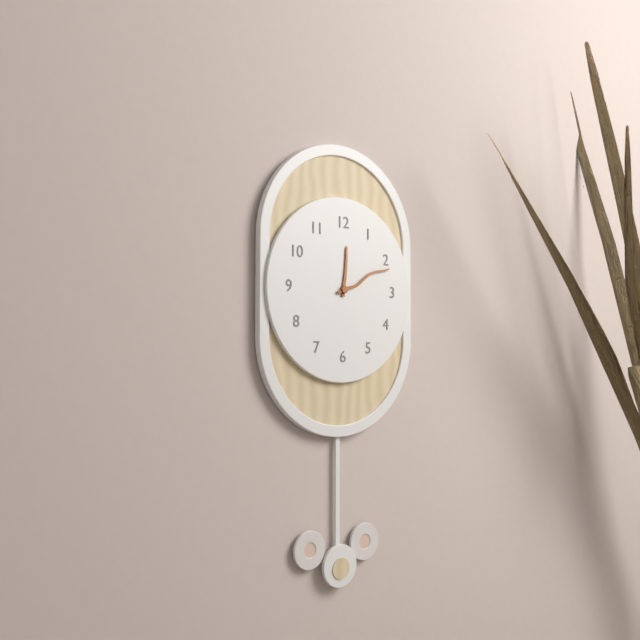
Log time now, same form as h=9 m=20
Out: h=12 m=11
